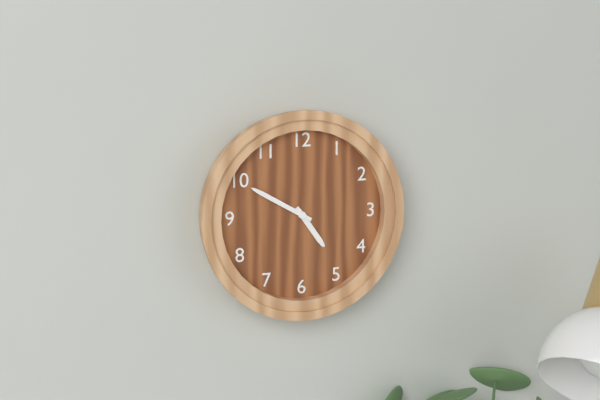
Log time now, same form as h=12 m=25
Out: h=4 m=50
